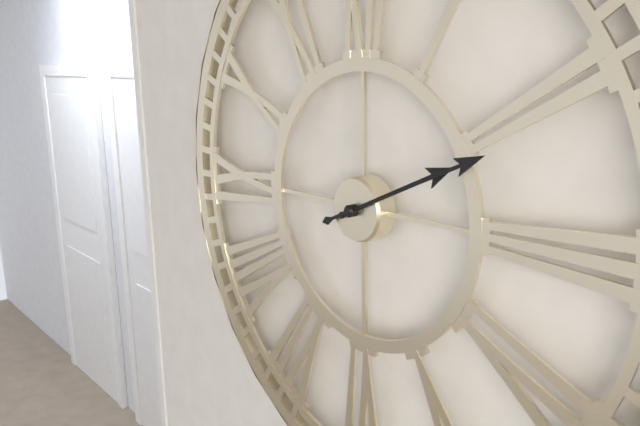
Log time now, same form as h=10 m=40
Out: h=2 m=11
